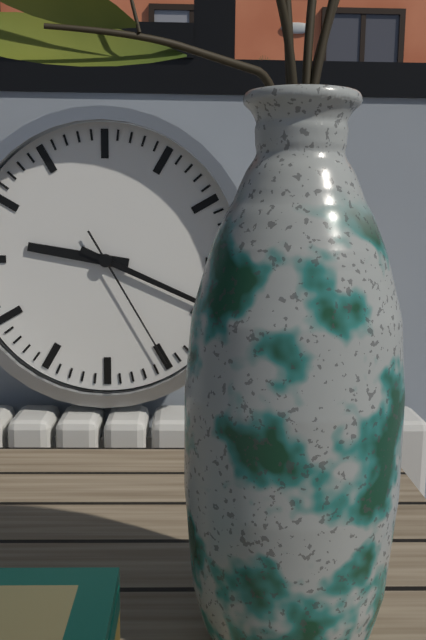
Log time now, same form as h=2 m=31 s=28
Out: h=9 m=19 s=25
